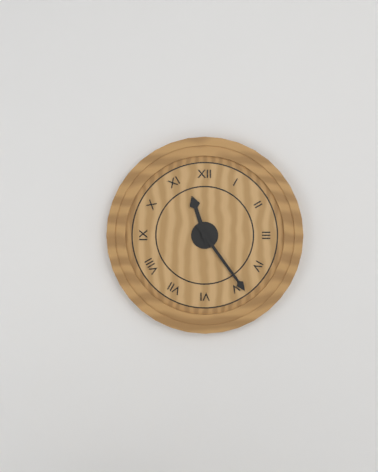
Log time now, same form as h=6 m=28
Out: h=11 m=24
